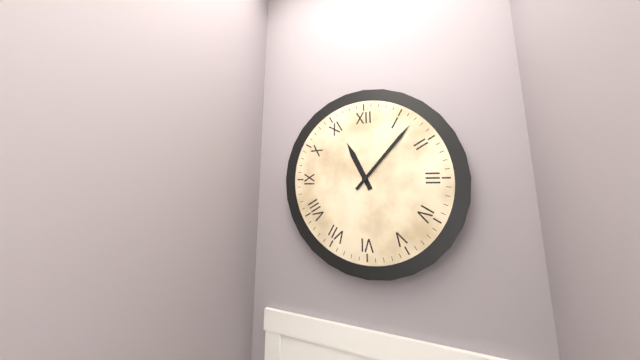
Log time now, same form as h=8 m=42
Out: h=11 m=7
